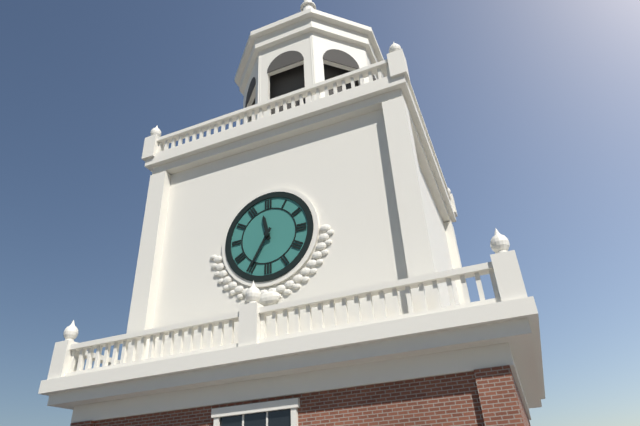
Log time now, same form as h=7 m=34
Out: h=11 m=35
